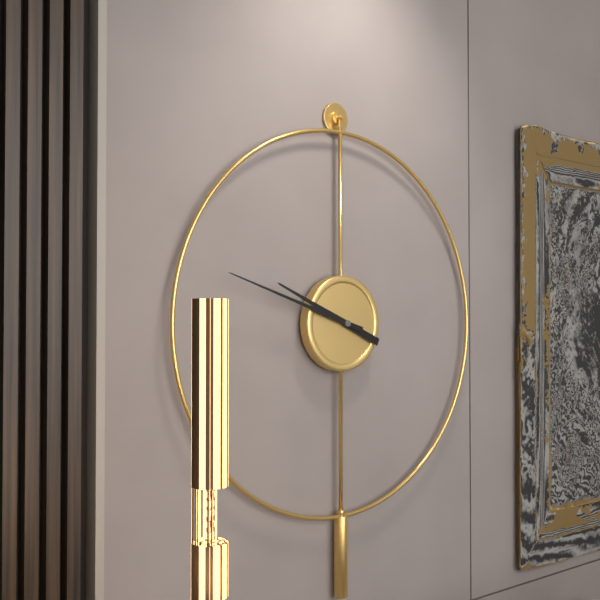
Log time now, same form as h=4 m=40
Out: h=9 m=48
